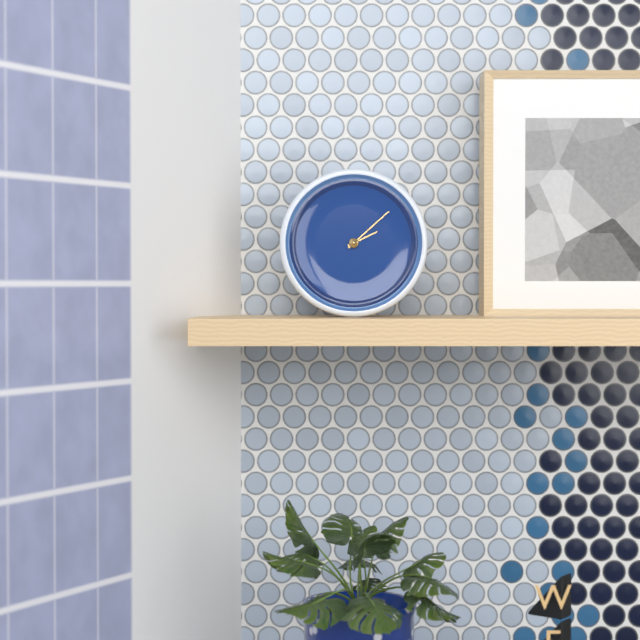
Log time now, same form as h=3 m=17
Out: h=2 m=8
